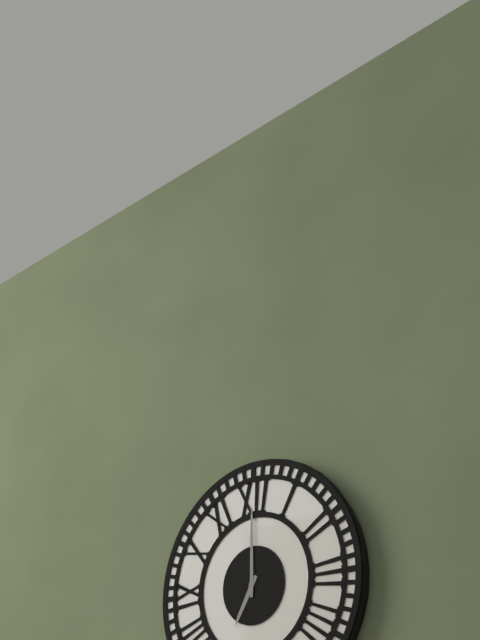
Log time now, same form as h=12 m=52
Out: h=7 m=0
